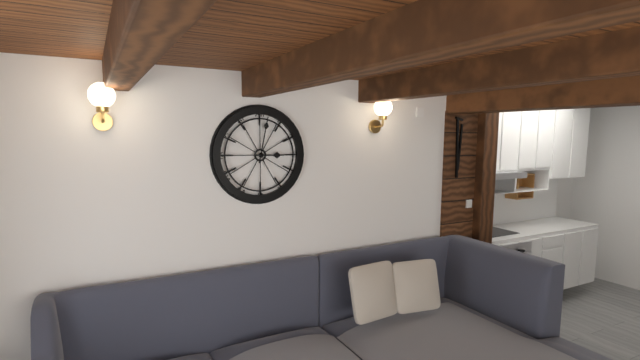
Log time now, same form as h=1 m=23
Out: h=3 m=2
